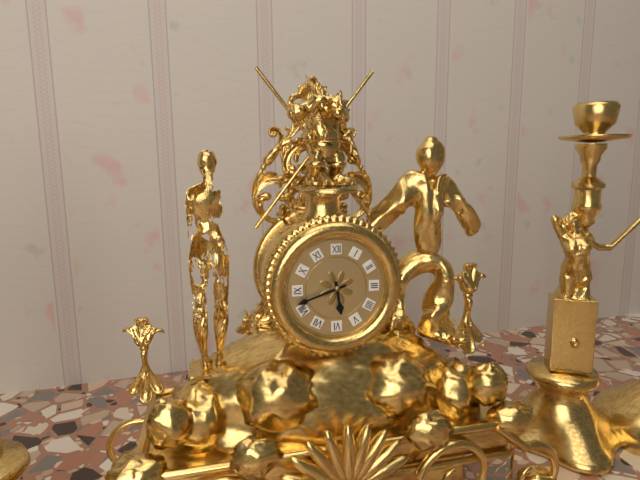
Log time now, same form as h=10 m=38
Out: h=5 m=42
